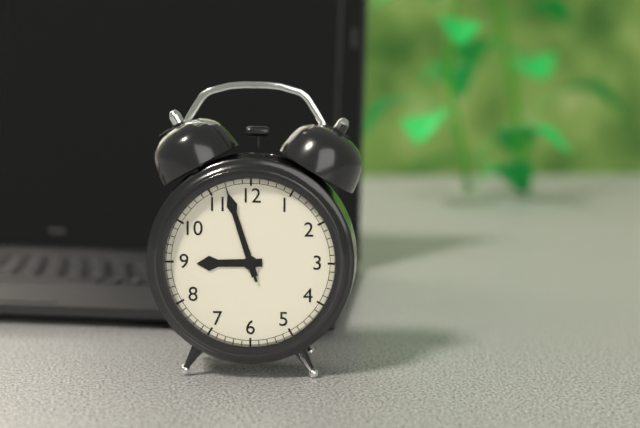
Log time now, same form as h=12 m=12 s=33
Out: h=8 m=57 s=57
